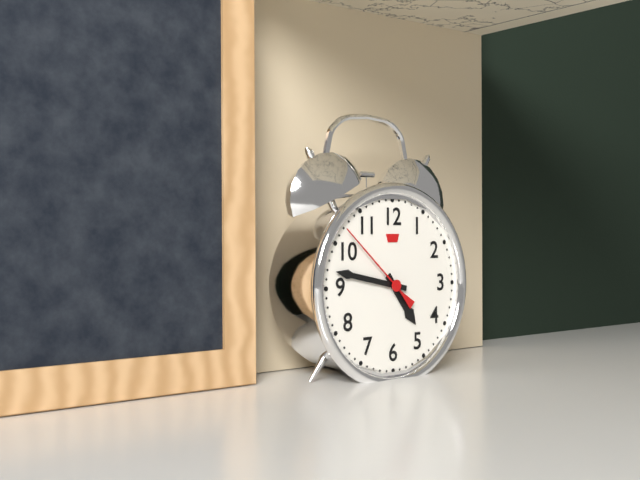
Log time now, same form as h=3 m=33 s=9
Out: h=4 m=47 s=52
